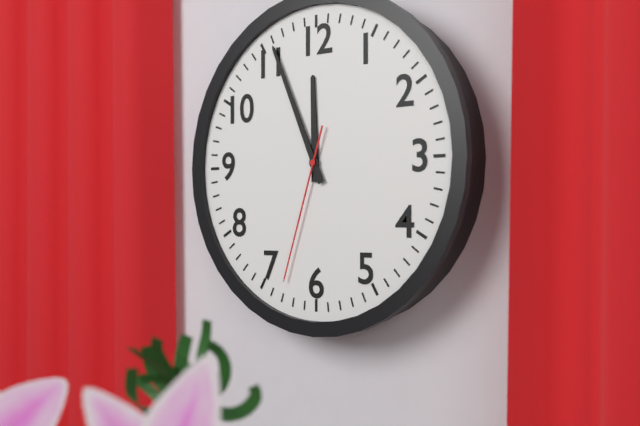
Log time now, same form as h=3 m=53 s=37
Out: h=11 m=56 s=33
